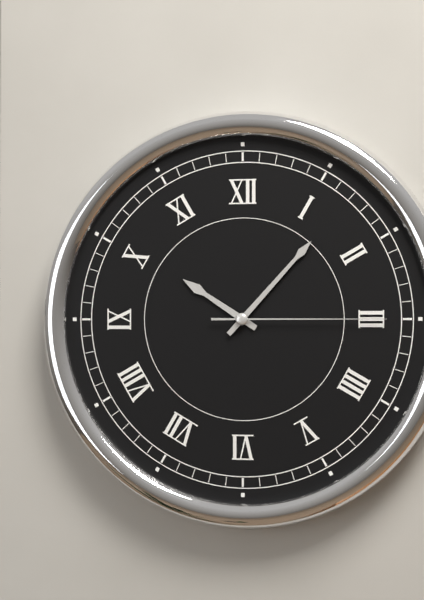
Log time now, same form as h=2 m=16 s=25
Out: h=10 m=7 s=15
